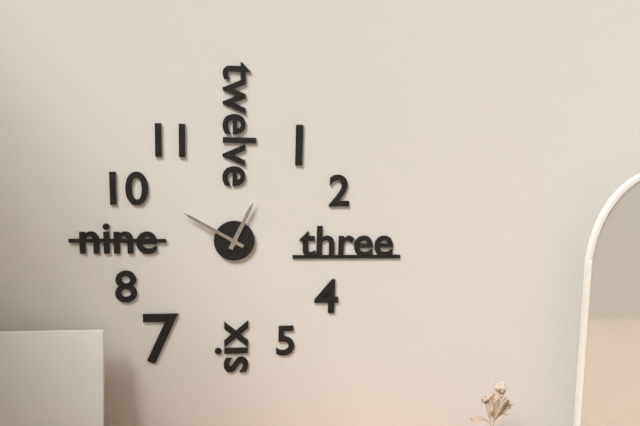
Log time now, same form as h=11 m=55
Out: h=12 m=50
